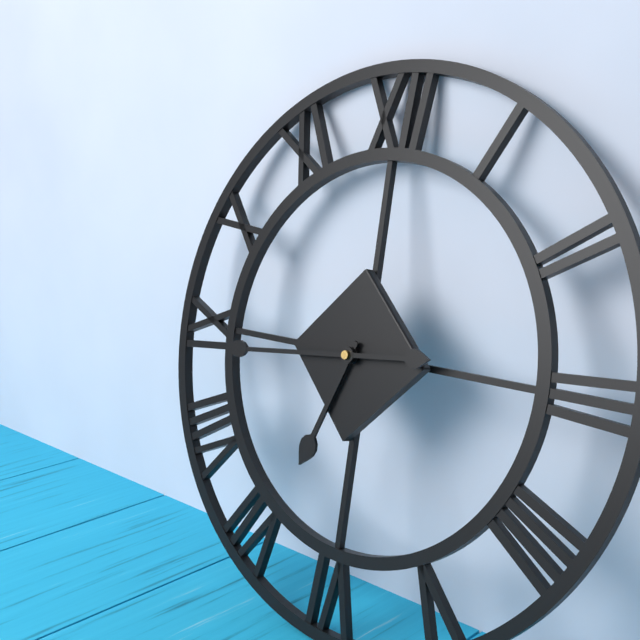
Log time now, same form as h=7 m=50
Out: h=6 m=44
